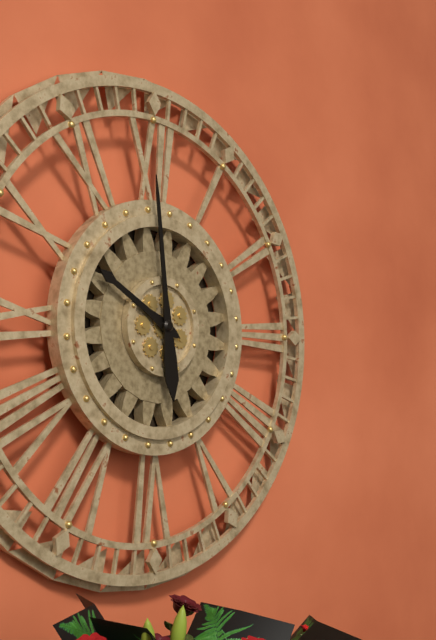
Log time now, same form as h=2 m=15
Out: h=9 m=59
